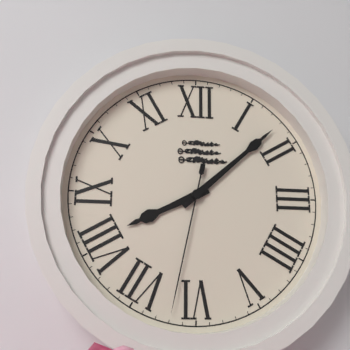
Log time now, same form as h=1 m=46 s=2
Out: h=8 m=8 s=32
